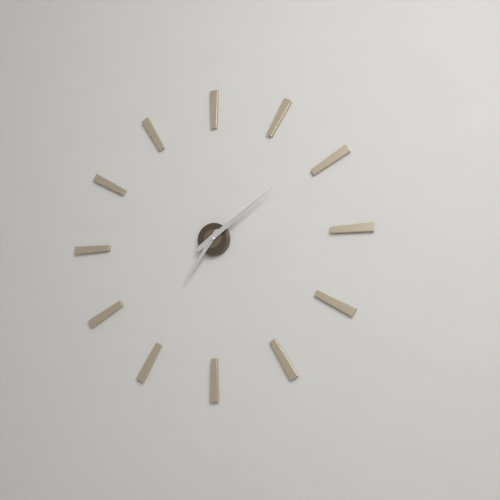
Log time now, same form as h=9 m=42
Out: h=7 m=9
